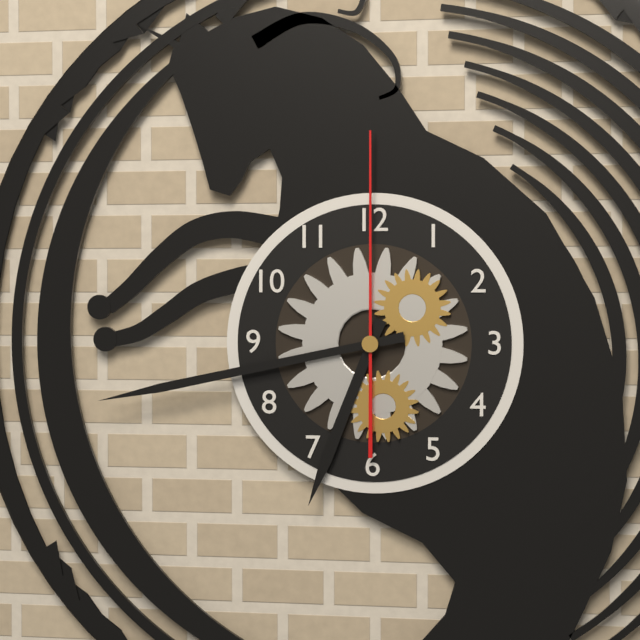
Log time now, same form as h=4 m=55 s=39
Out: h=6 m=43 s=0
